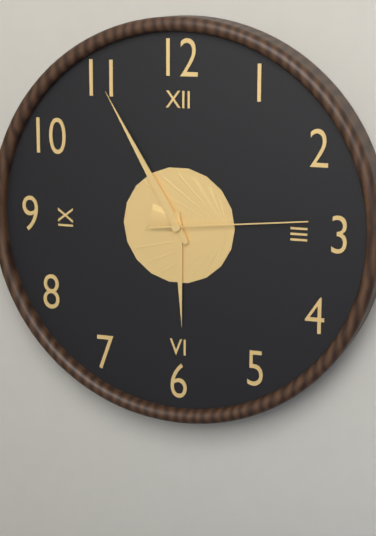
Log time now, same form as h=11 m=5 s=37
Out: h=5 m=55 s=14
